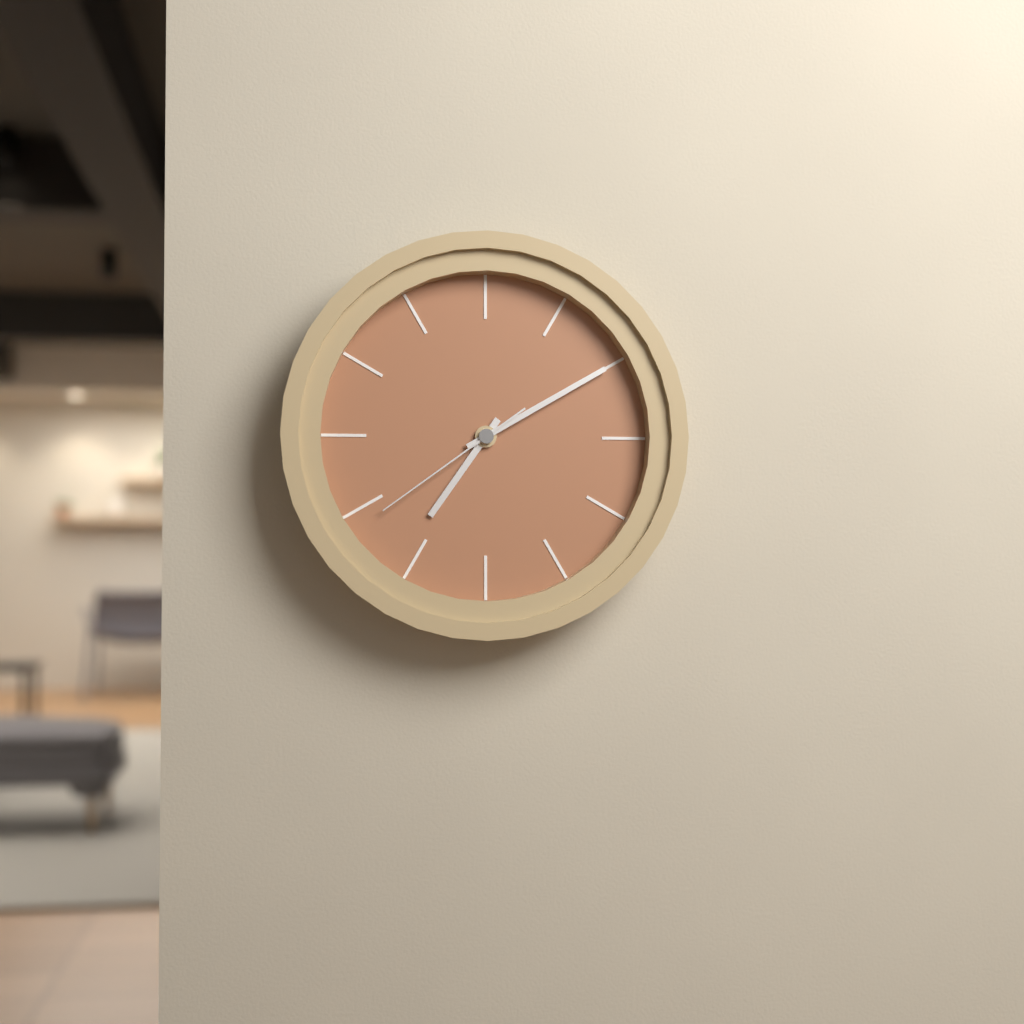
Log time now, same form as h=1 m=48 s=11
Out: h=7 m=10 s=39
